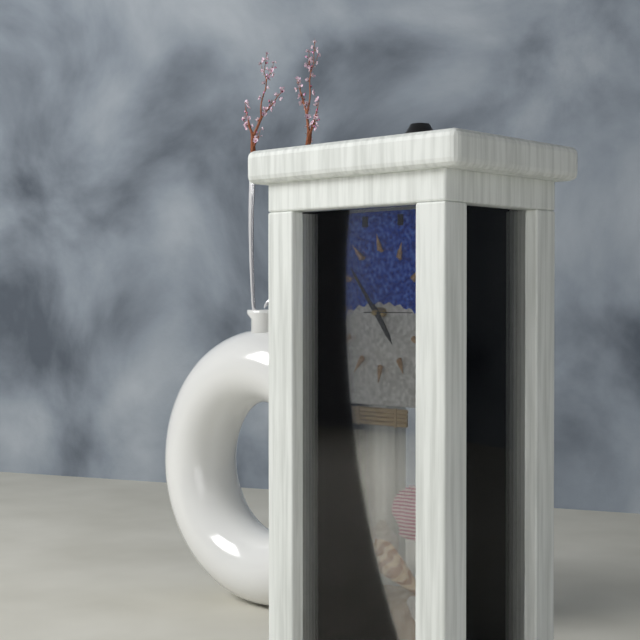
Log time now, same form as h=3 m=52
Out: h=4 m=54
